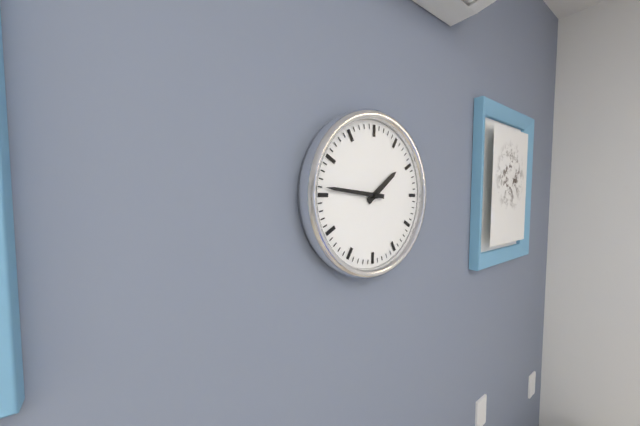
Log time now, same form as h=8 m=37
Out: h=1 m=46
